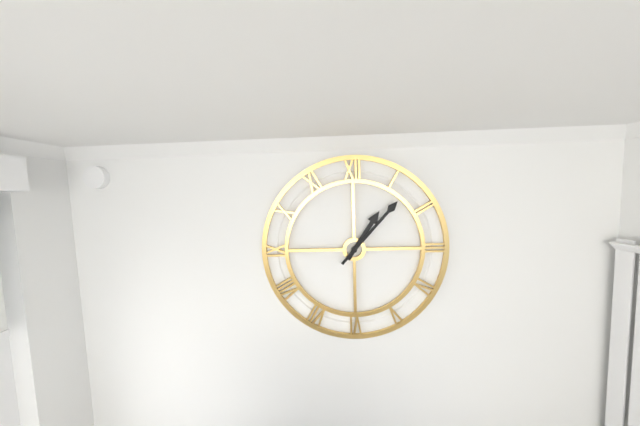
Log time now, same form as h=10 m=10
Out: h=1 m=7
